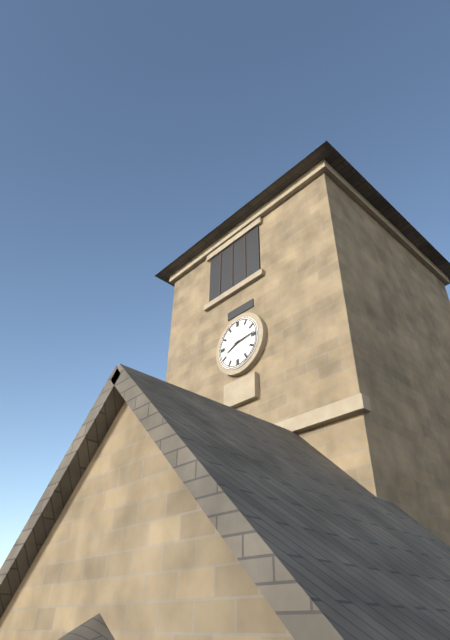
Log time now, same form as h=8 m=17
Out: h=8 m=14
